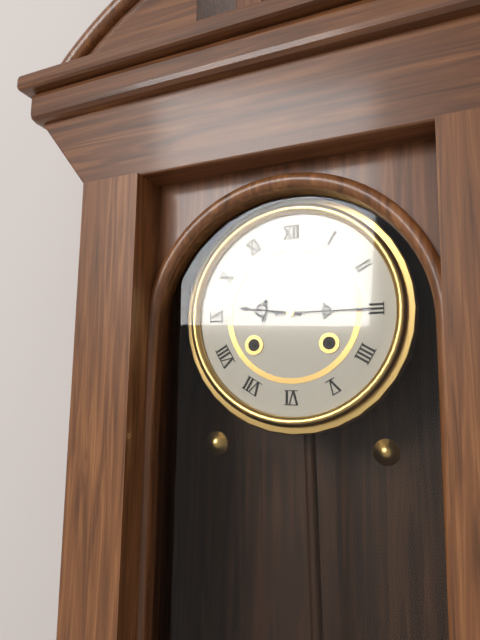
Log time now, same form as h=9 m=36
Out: h=9 m=15
